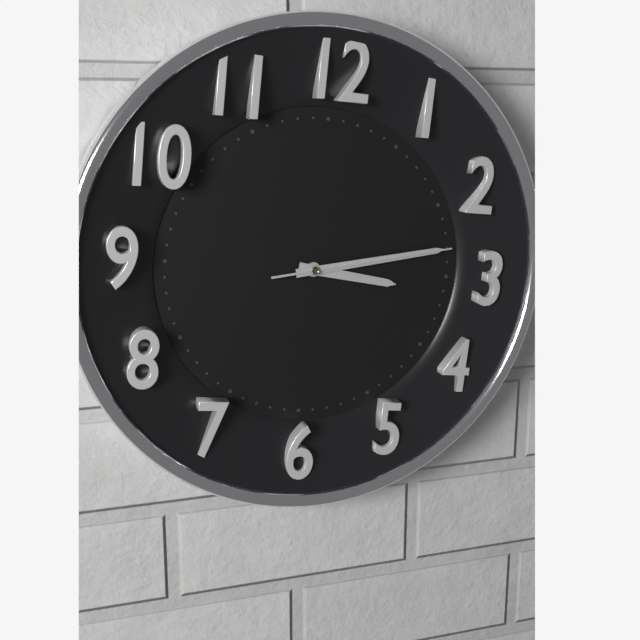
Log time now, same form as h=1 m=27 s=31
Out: h=3 m=13 s=13
